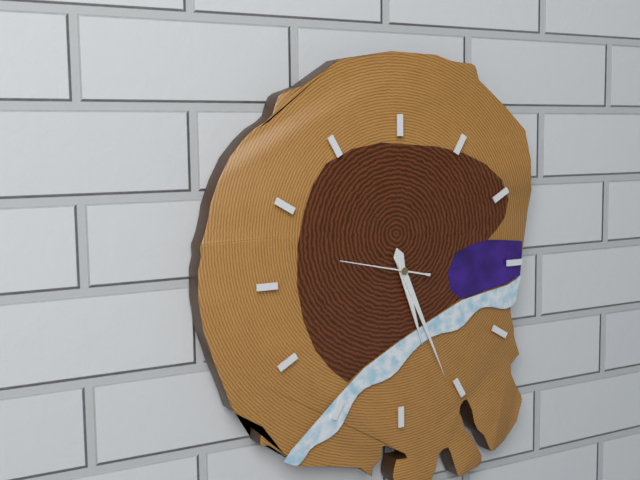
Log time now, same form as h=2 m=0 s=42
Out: h=5 m=26 s=47
